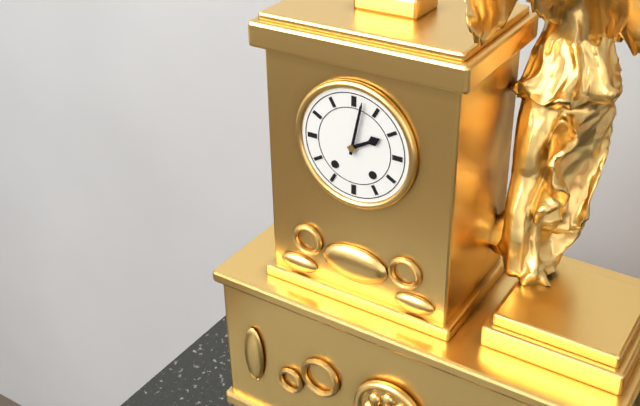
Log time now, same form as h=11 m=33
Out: h=2 m=2
